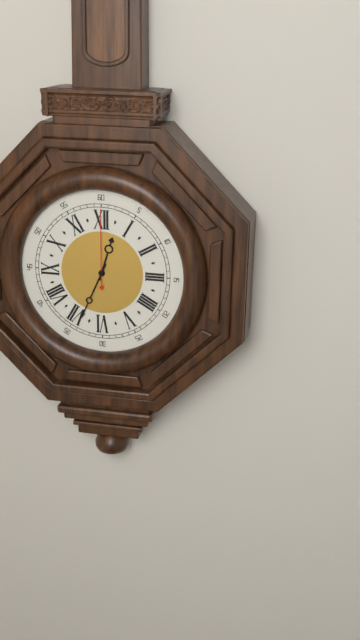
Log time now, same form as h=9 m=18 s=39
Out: h=12 m=34 s=0
